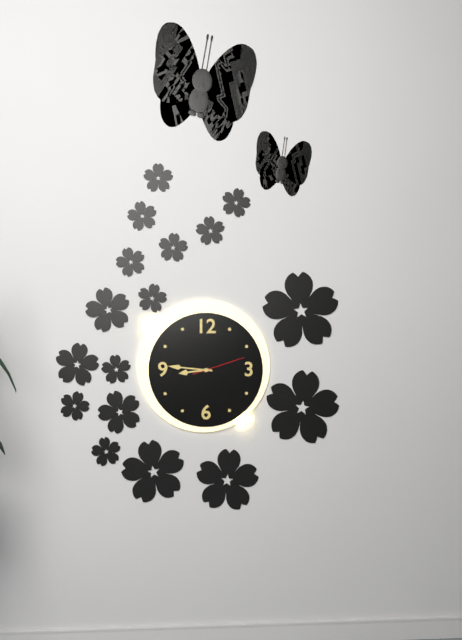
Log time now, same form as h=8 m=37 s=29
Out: h=8 m=46 s=12
